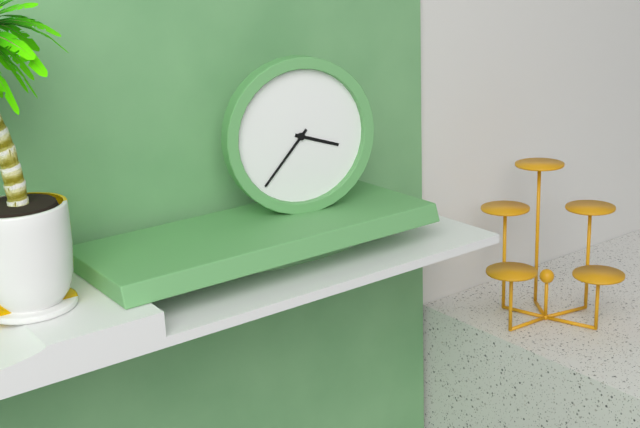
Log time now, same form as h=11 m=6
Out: h=3 m=37
